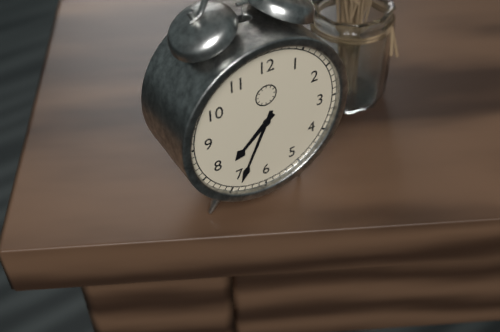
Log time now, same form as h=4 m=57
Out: h=7 m=34
